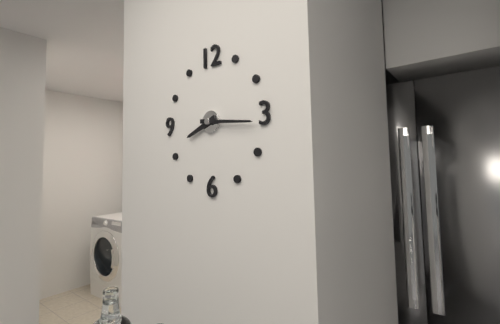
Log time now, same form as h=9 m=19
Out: h=8 m=16
